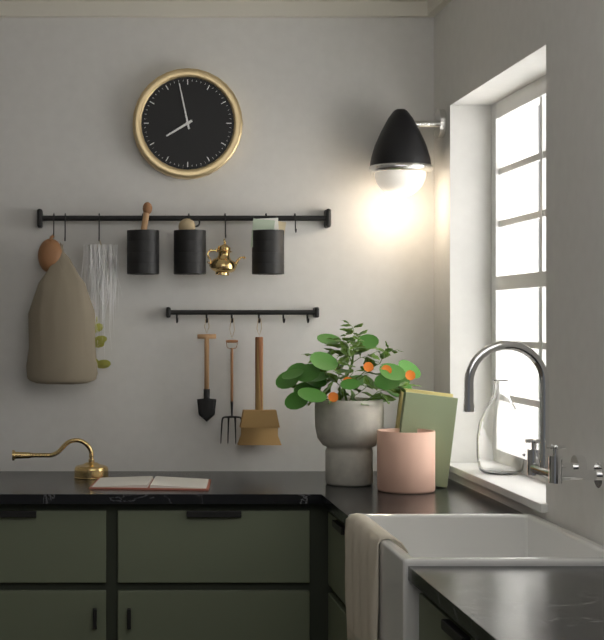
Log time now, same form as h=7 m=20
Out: h=7 m=58
